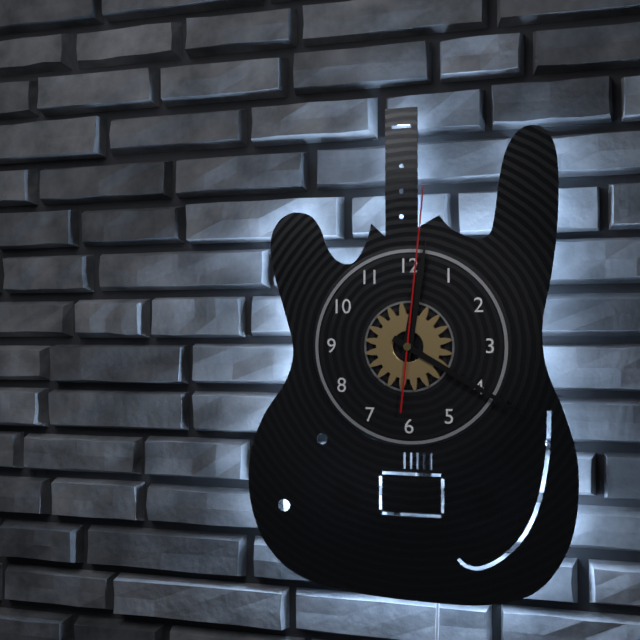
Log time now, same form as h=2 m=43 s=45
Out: h=12 m=20 s=1
